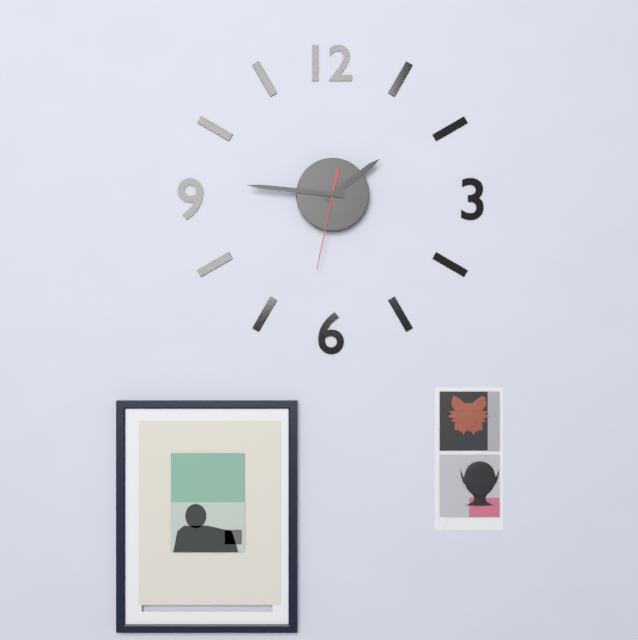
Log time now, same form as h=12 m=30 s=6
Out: h=1 m=46 s=32
